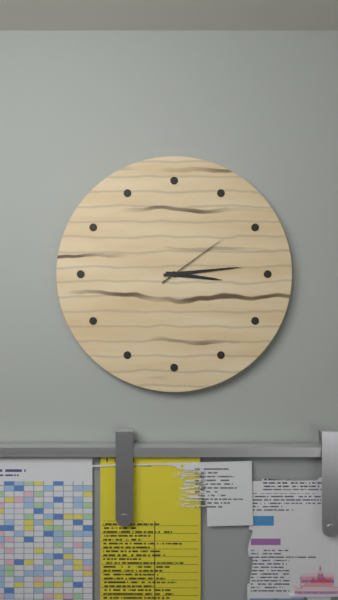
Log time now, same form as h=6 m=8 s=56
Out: h=3 m=14 s=9
